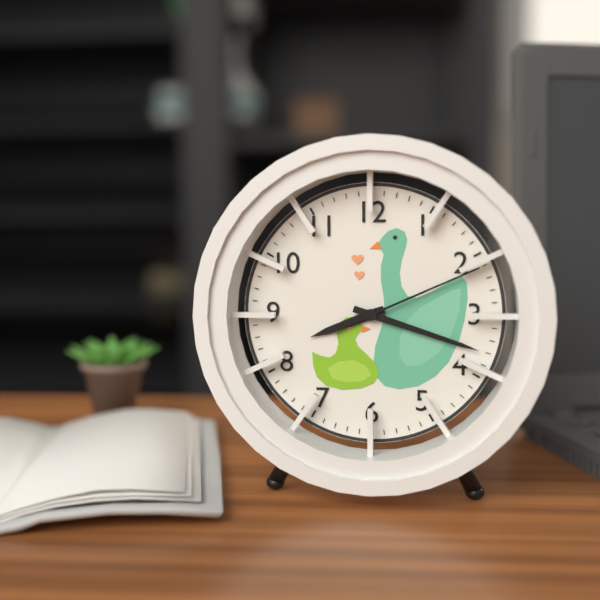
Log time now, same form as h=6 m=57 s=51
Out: h=8 m=18 s=11
